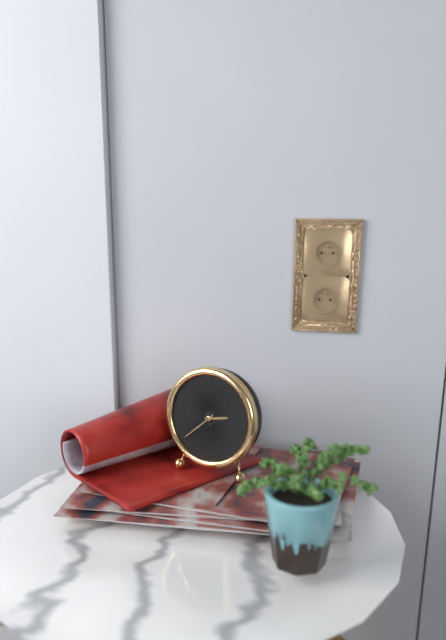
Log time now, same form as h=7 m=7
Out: h=2 m=38
